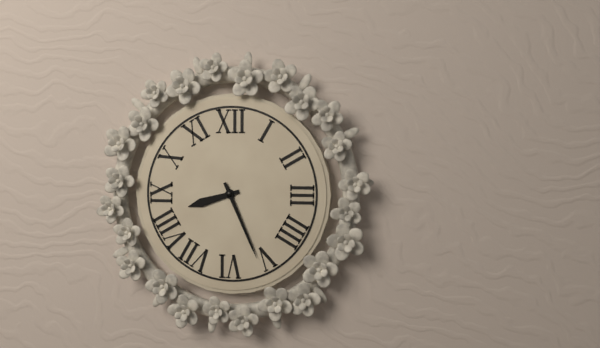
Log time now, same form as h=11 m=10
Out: h=8 m=26
